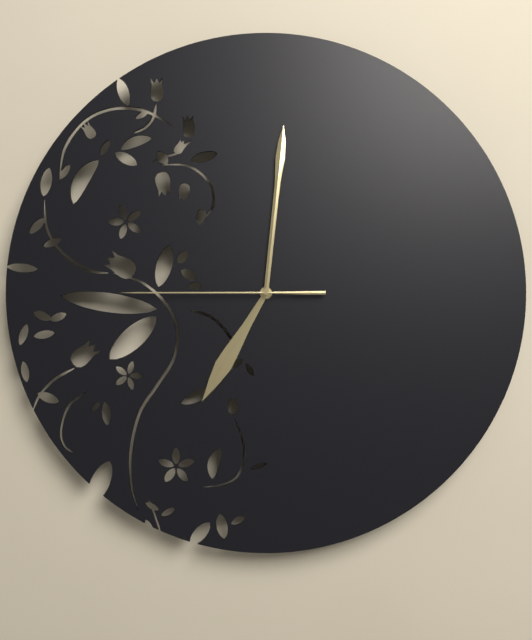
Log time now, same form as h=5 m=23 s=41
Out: h=7 m=1 s=45
